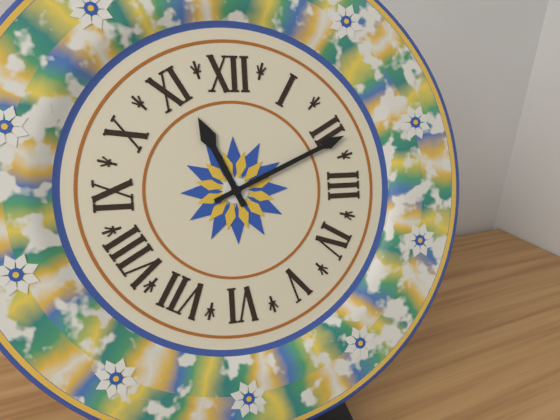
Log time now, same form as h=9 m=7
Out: h=11 m=11
